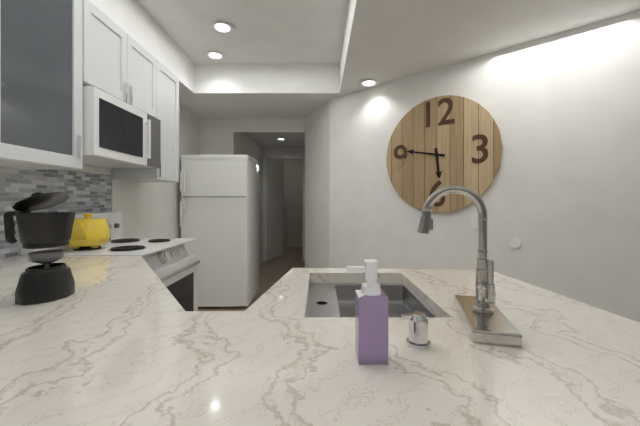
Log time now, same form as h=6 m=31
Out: h=5 m=47
